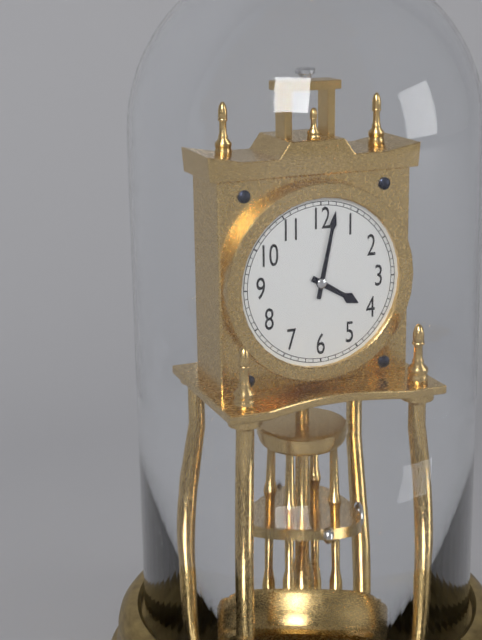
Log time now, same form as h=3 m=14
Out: h=4 m=2
